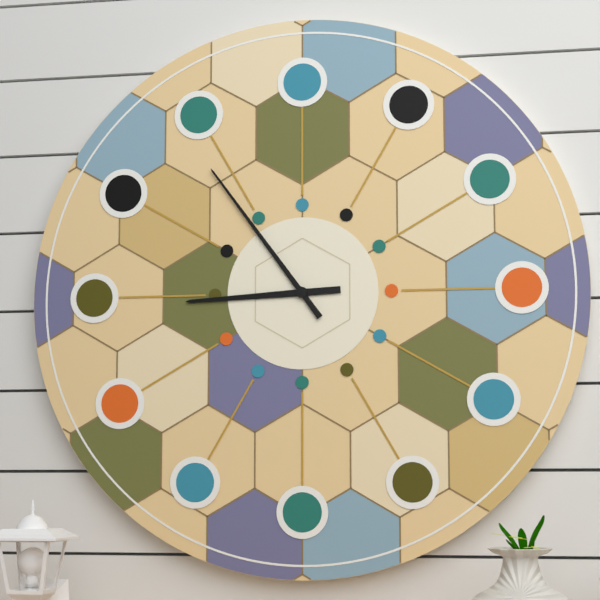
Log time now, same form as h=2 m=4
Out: h=8 m=54
